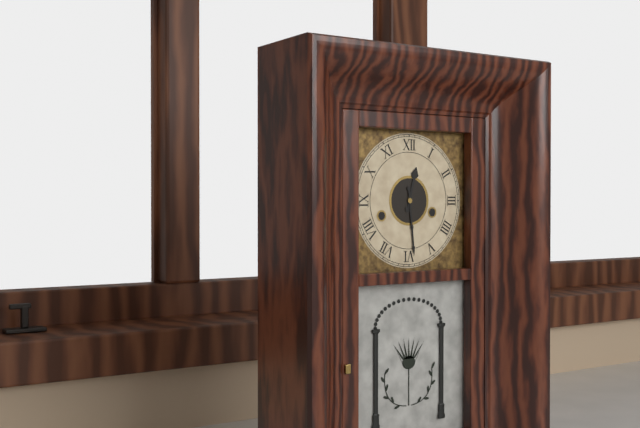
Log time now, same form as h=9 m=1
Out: h=12 m=29
